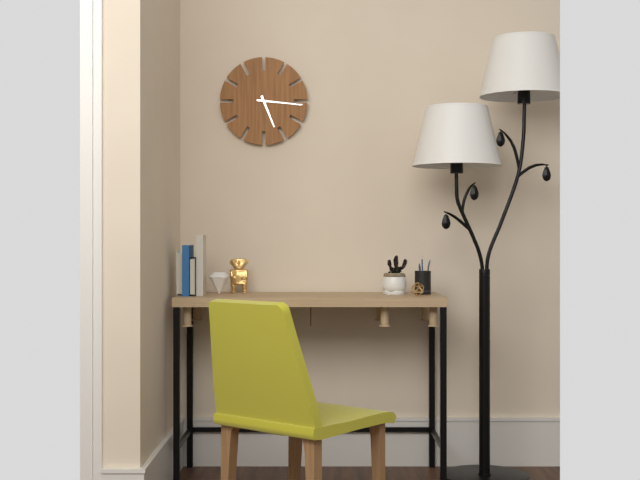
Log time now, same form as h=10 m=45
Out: h=5 m=16
